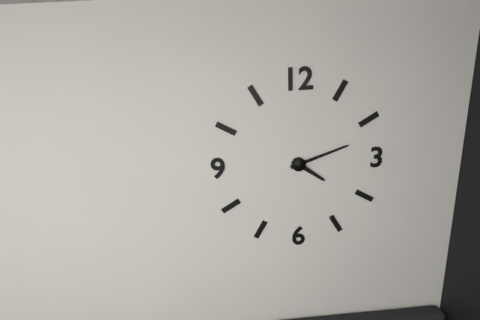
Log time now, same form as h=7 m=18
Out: h=4 m=12
